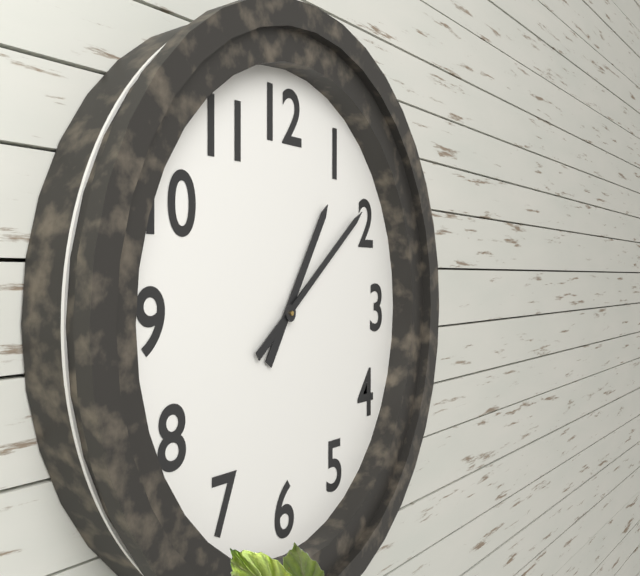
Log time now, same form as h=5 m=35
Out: h=1 m=9
